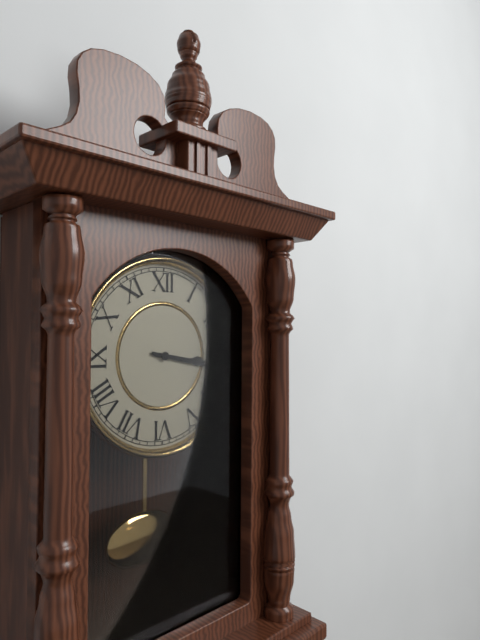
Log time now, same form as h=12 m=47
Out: h=3 m=17
